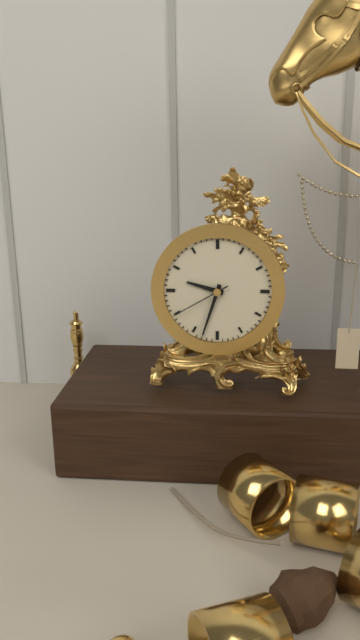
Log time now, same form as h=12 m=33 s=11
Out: h=9 m=33 s=40
